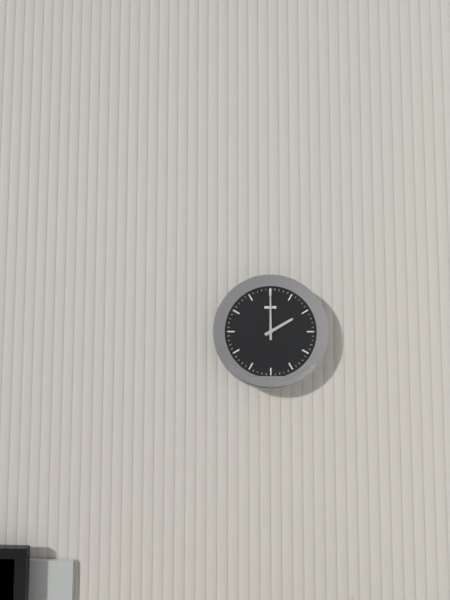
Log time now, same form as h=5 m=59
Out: h=2 m=0
